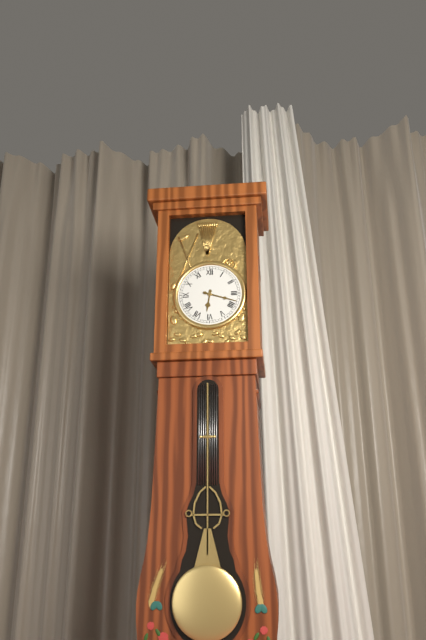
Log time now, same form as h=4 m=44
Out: h=6 m=18
